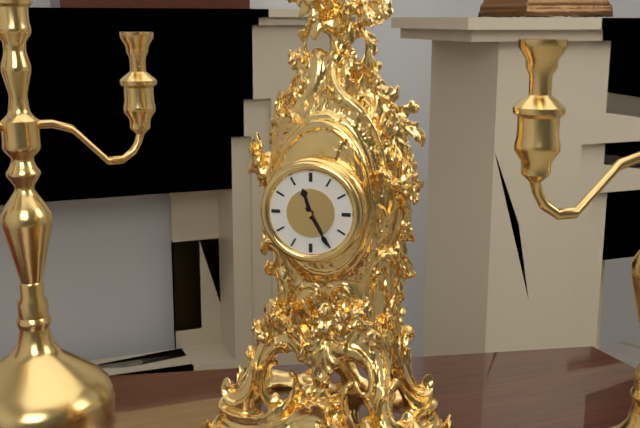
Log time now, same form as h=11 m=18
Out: h=11 m=25
